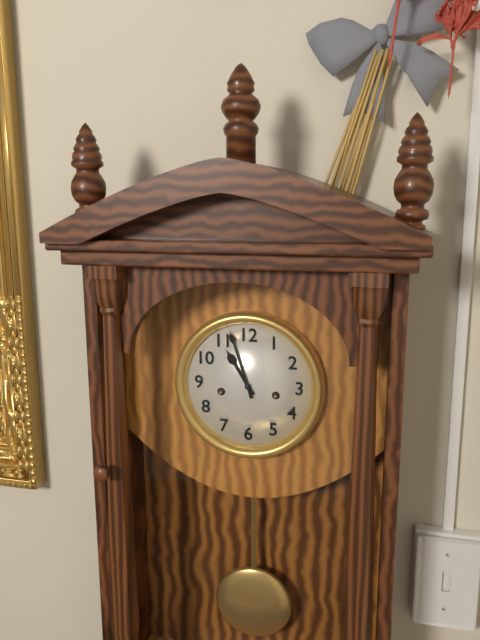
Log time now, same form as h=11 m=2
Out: h=10 m=57
